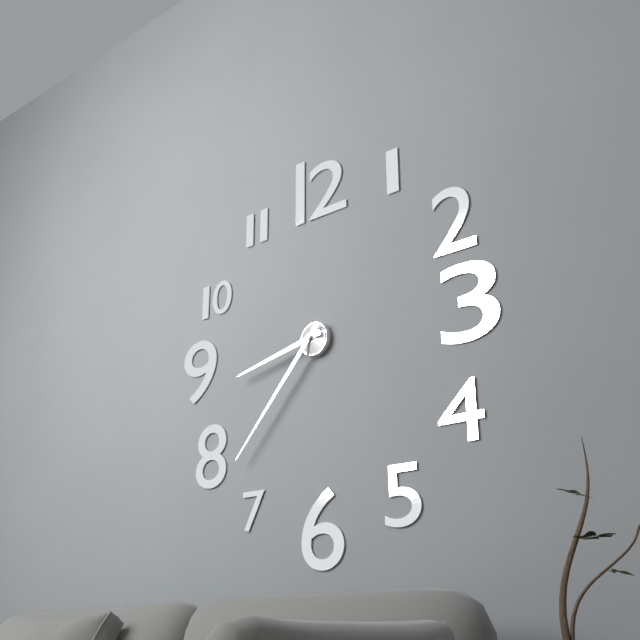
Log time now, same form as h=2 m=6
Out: h=8 m=37
